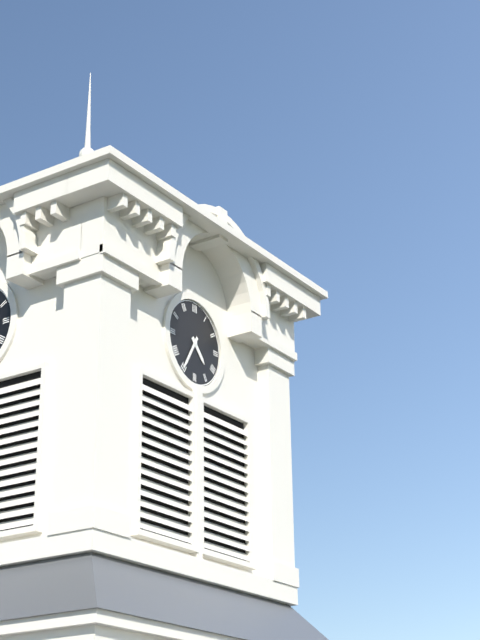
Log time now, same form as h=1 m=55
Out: h=4 m=35
